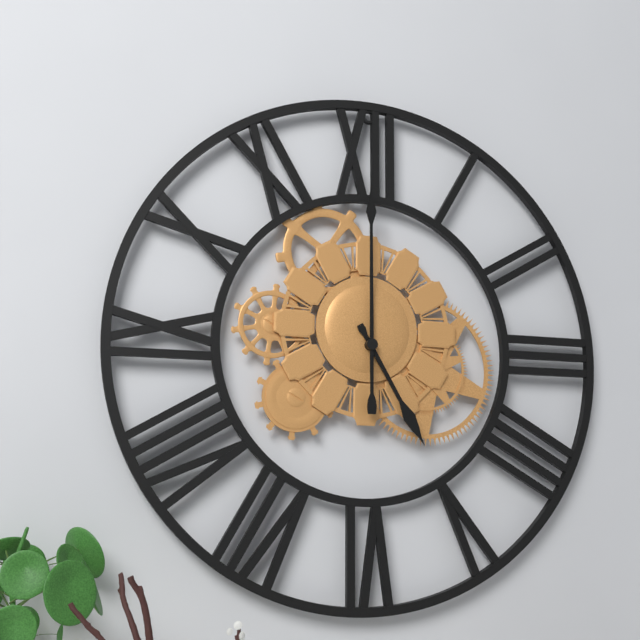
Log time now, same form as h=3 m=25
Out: h=5 m=0
